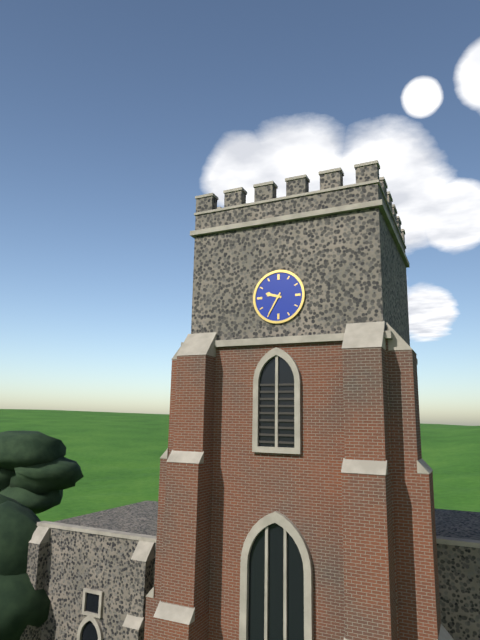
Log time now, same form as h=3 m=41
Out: h=9 m=35
